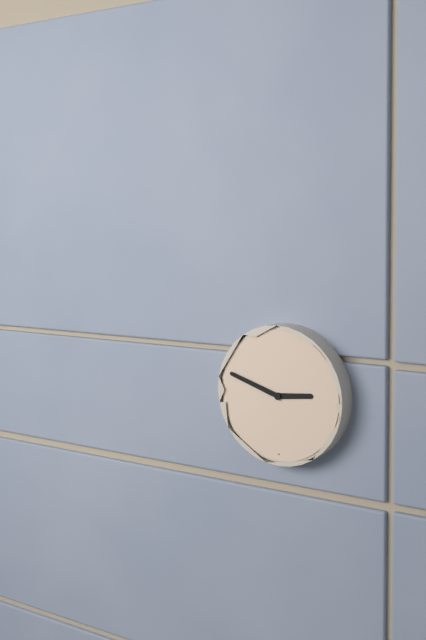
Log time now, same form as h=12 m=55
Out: h=2 m=48
